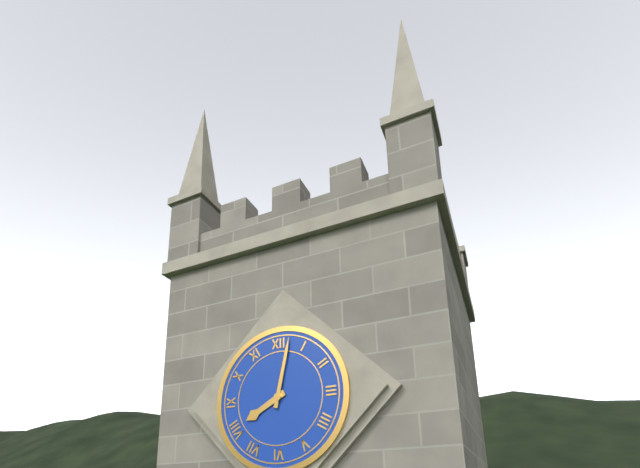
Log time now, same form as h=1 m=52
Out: h=8 m=2
